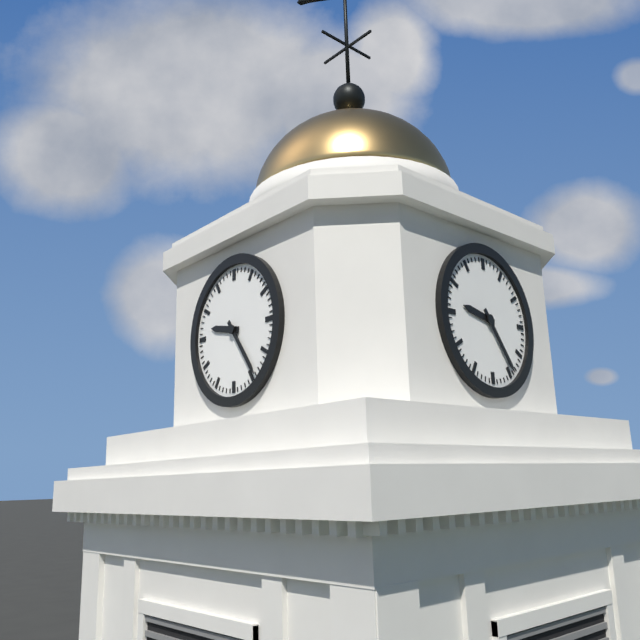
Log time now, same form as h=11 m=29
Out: h=9 m=24
